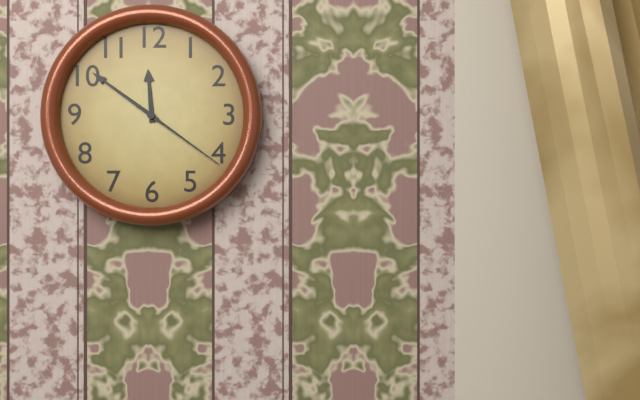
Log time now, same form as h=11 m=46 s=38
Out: h=11 m=51 s=21
